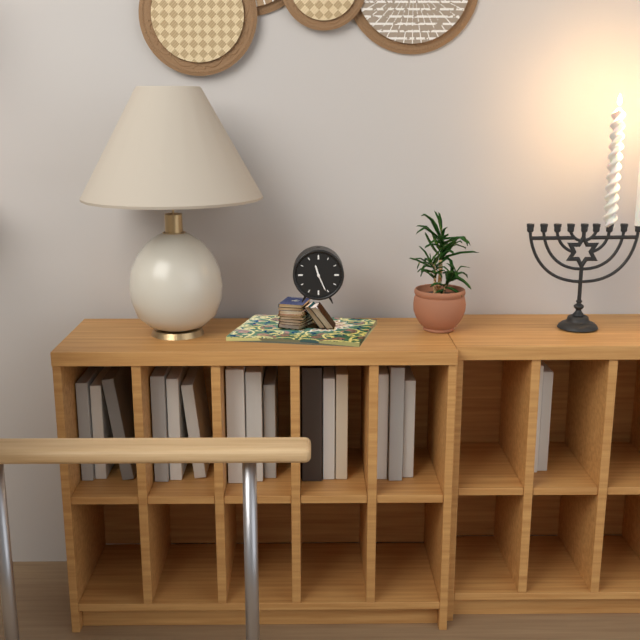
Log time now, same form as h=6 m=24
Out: h=11 m=26
